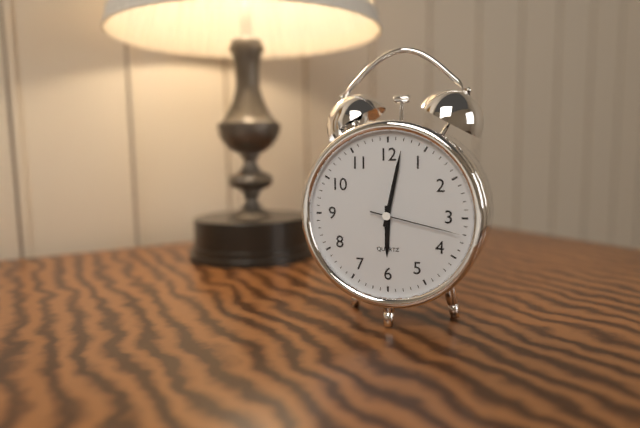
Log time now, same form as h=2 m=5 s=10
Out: h=6 m=2 s=17
